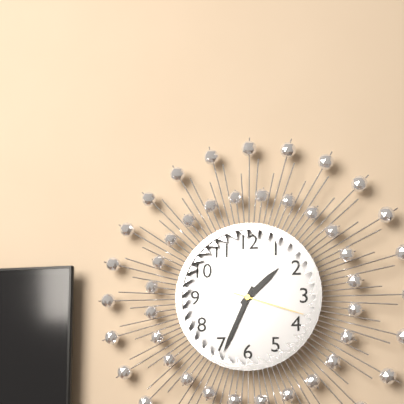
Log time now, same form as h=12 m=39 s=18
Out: h=1 m=34 s=18
